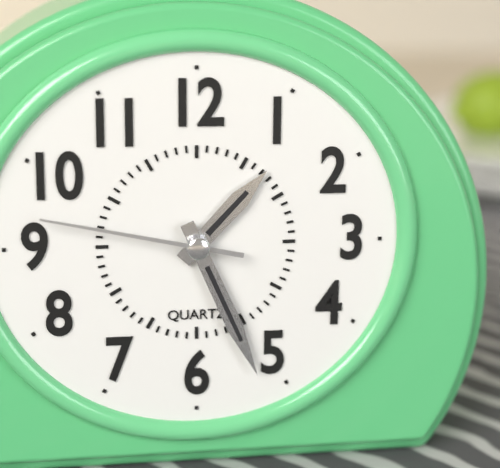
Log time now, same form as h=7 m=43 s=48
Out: h=1 m=26 s=47
